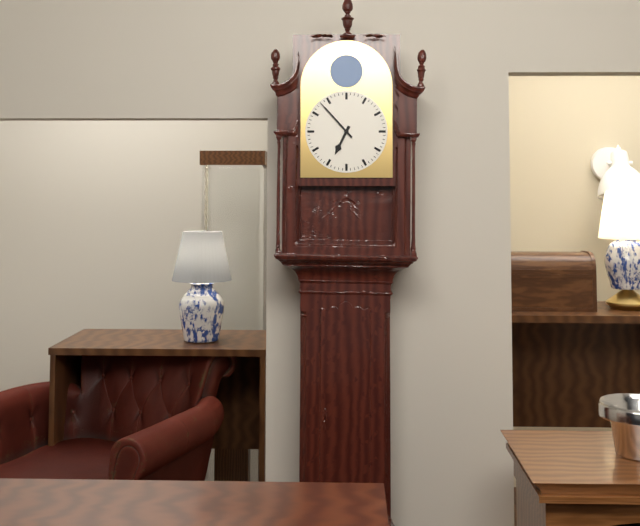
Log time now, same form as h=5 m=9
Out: h=6 m=53
